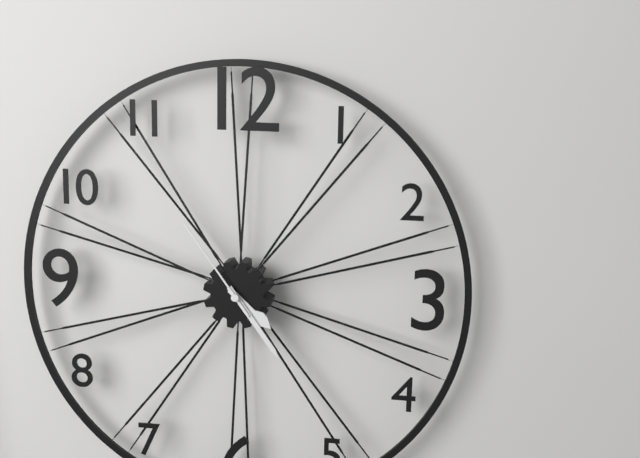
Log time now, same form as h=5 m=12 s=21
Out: h=4 m=24 s=54
